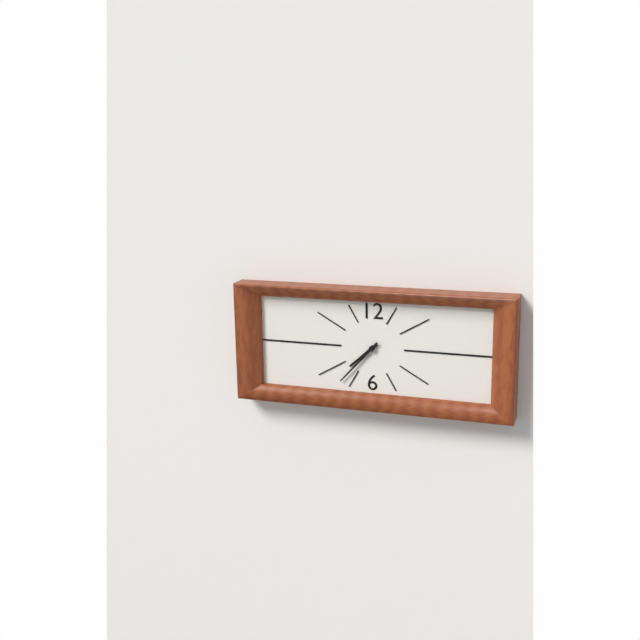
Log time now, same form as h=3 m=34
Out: h=7 m=37
